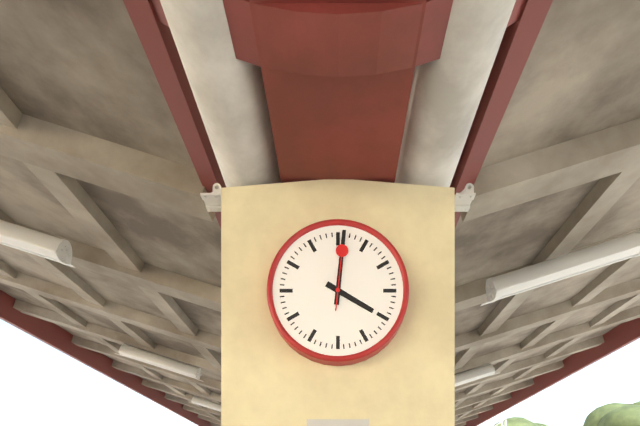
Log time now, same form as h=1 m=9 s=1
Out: h=4 m=1 s=1
